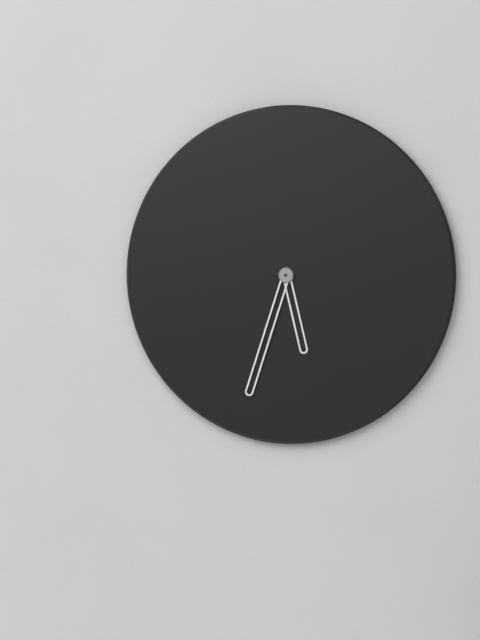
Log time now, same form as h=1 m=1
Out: h=5 m=33
